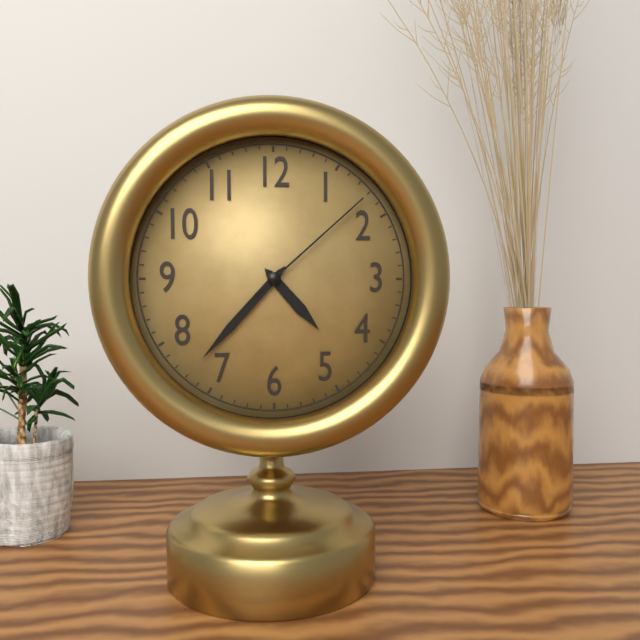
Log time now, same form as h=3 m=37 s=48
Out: h=4 m=37 s=8
